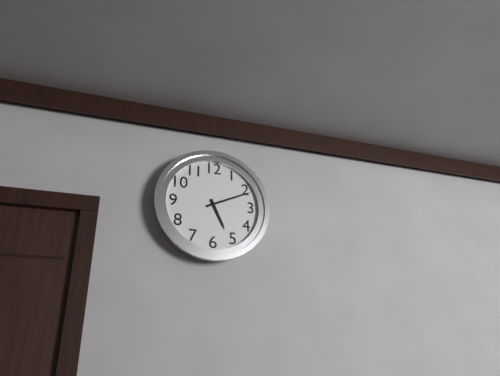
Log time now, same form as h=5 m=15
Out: h=5 m=11
